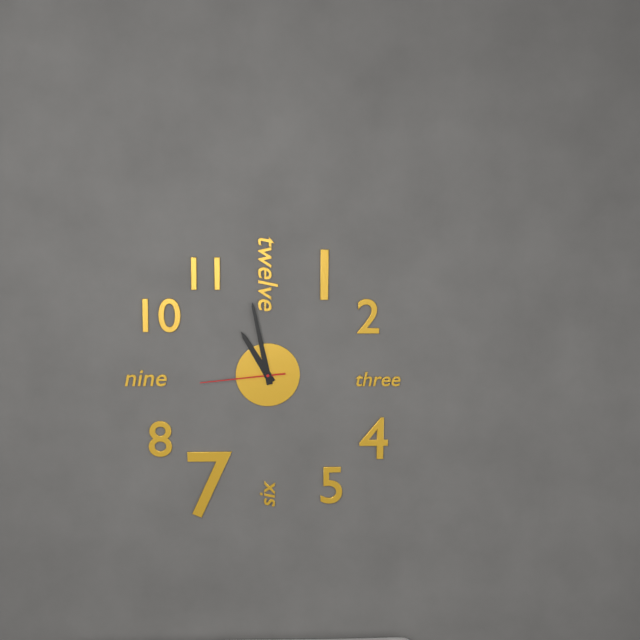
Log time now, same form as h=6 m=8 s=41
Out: h=10 m=58 s=44
